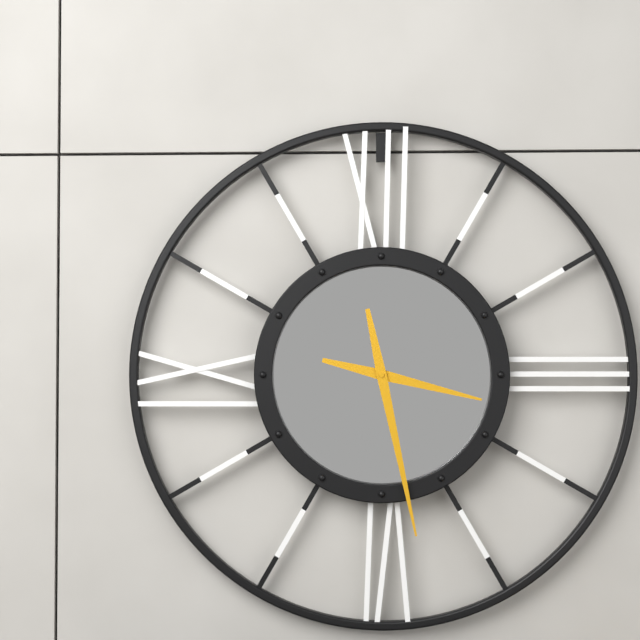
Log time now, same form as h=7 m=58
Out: h=3 m=28
